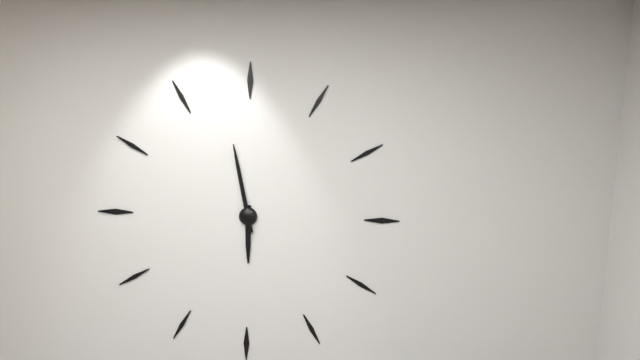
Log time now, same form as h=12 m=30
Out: h=5 m=58
